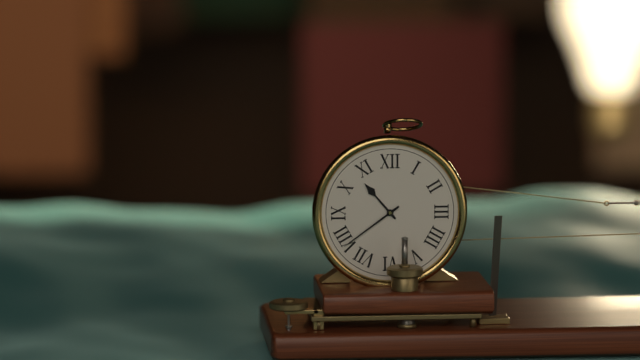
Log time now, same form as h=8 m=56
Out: h=10 m=39
